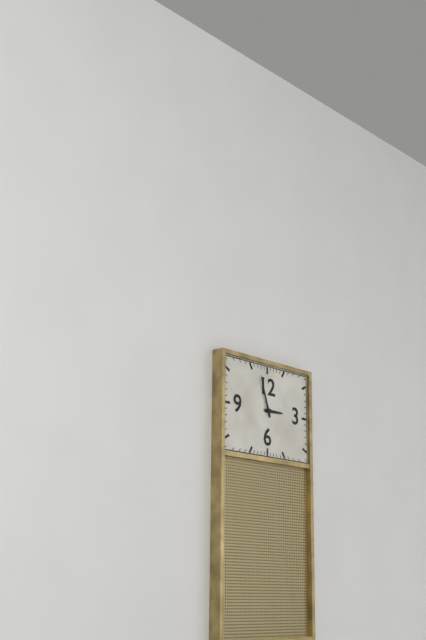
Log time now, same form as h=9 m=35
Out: h=2 m=57
